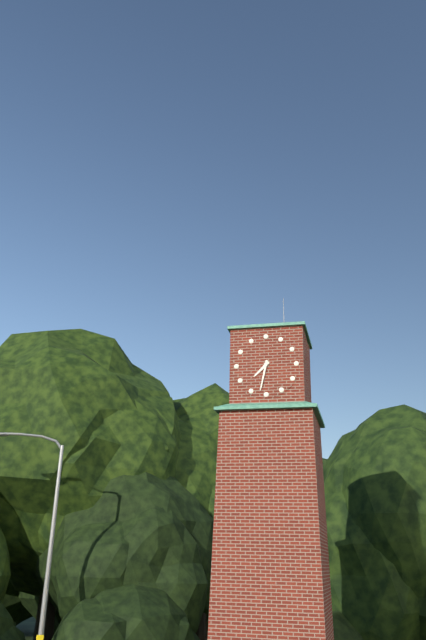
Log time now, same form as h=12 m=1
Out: h=7 m=32
